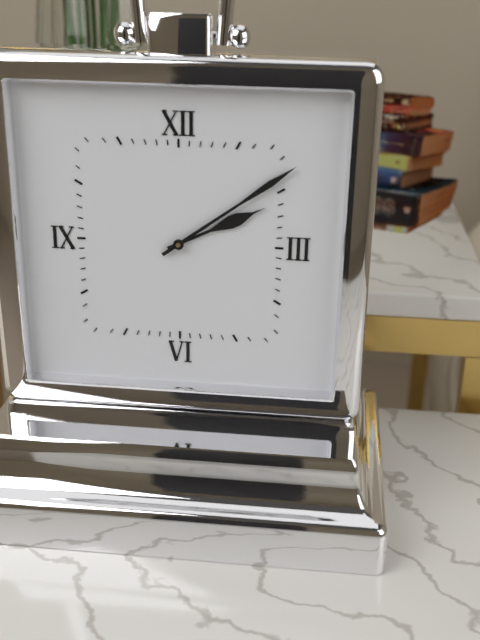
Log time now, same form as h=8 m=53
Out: h=2 m=9
